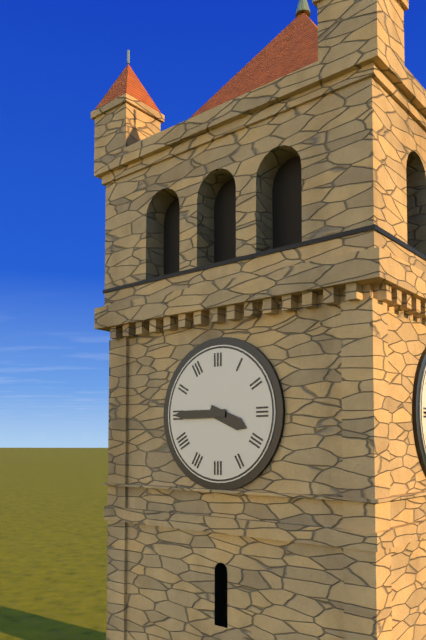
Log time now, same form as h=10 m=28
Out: h=3 m=45
